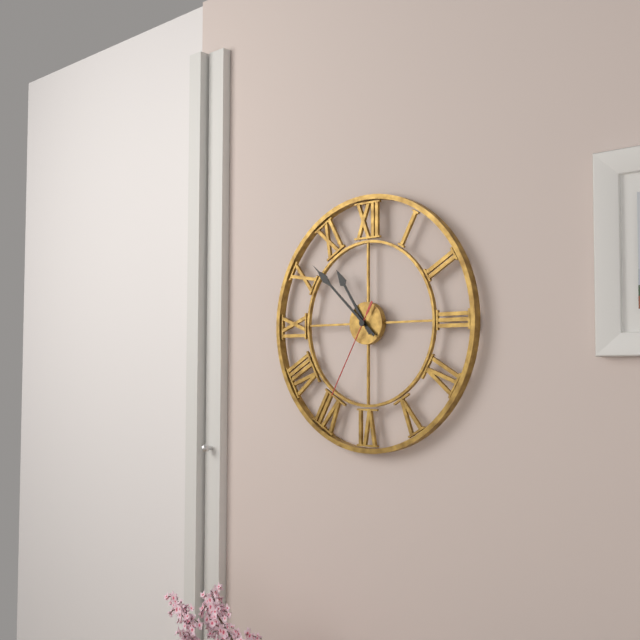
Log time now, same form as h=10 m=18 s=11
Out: h=10 m=52 s=35
